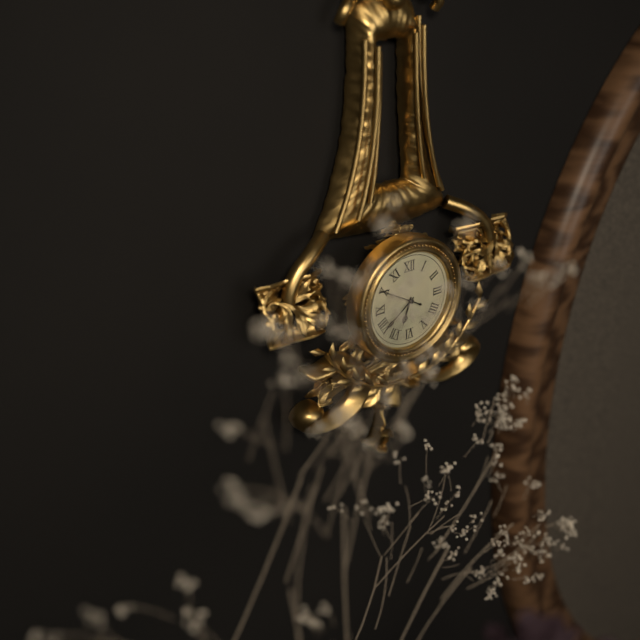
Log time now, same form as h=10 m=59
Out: h=6 m=39
